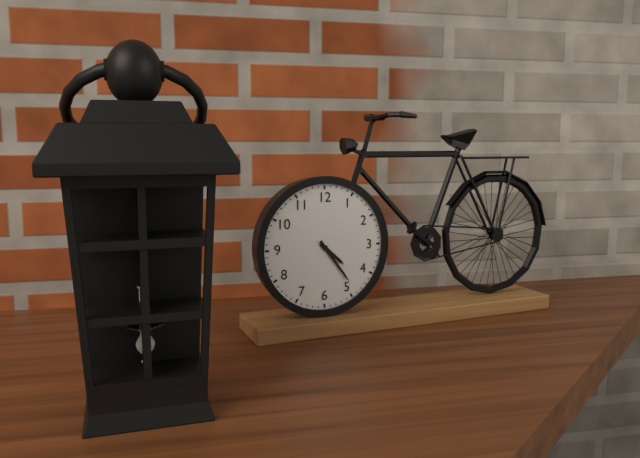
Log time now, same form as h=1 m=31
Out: h=4 m=24
